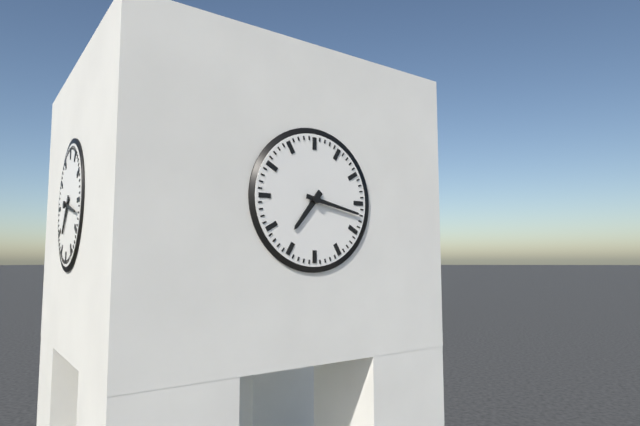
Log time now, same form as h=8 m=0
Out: h=7 m=17
